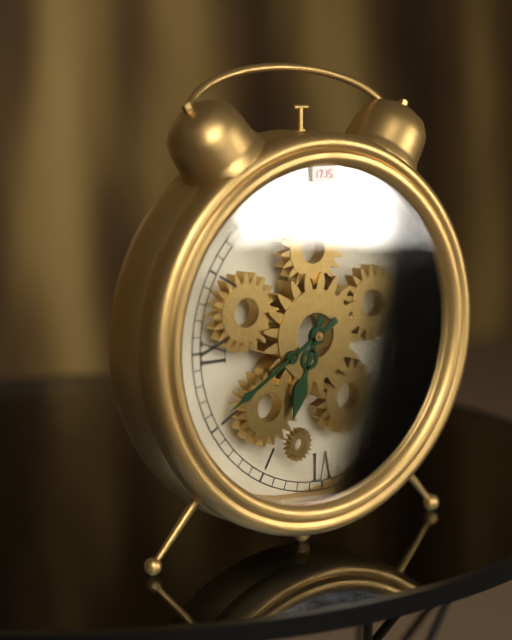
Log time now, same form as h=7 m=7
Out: h=6 m=40
